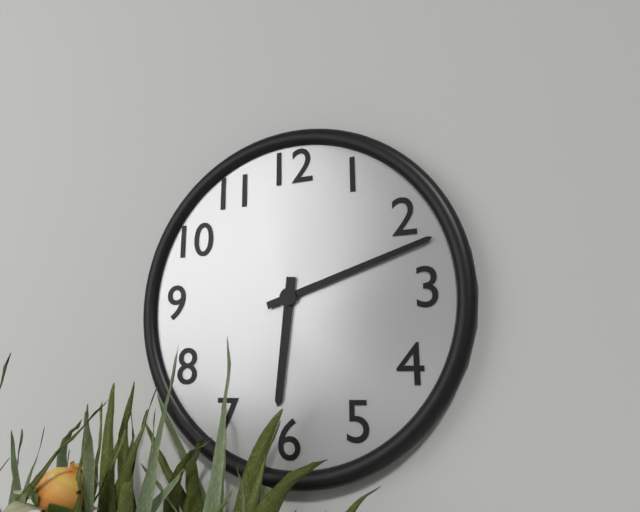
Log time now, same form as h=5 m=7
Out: h=6 m=12
